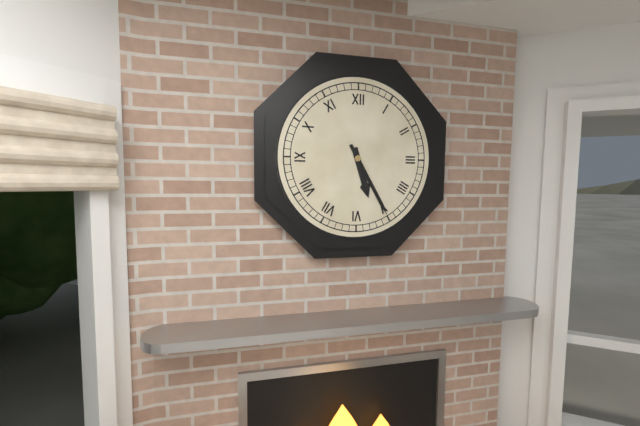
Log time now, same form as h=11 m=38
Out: h=5 m=25
